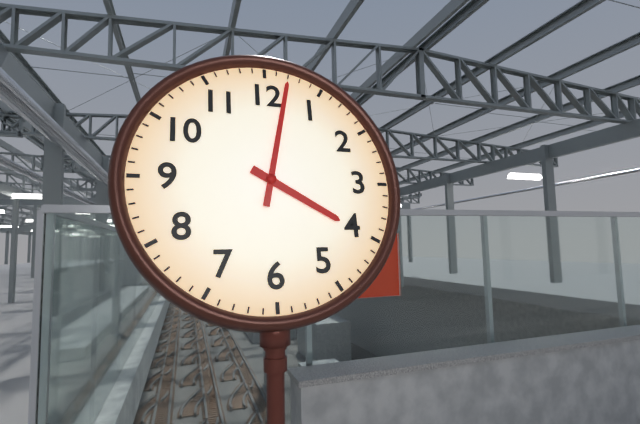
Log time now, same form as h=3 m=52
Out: h=4 m=2
